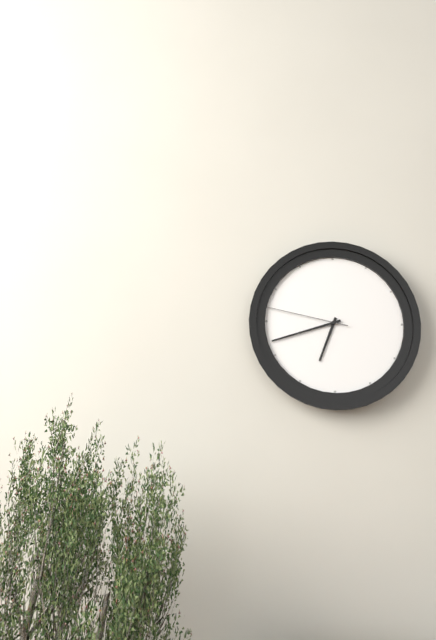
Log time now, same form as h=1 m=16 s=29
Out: h=6 m=42 s=47
